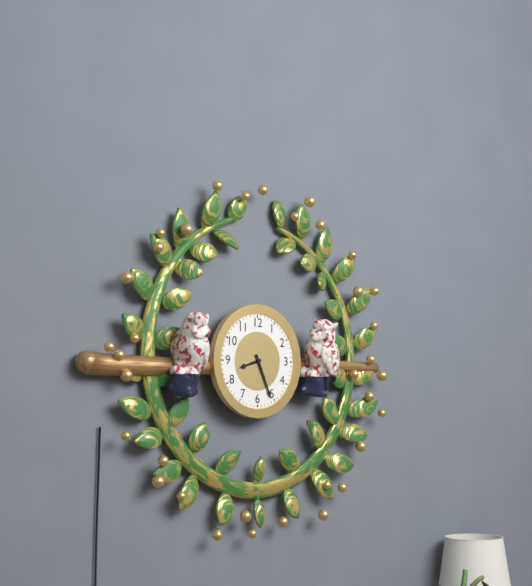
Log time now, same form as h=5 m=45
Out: h=8 m=26
